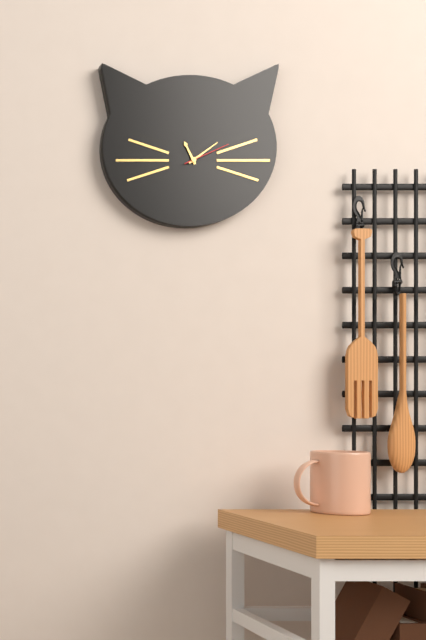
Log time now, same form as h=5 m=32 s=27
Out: h=11 m=9 s=11
